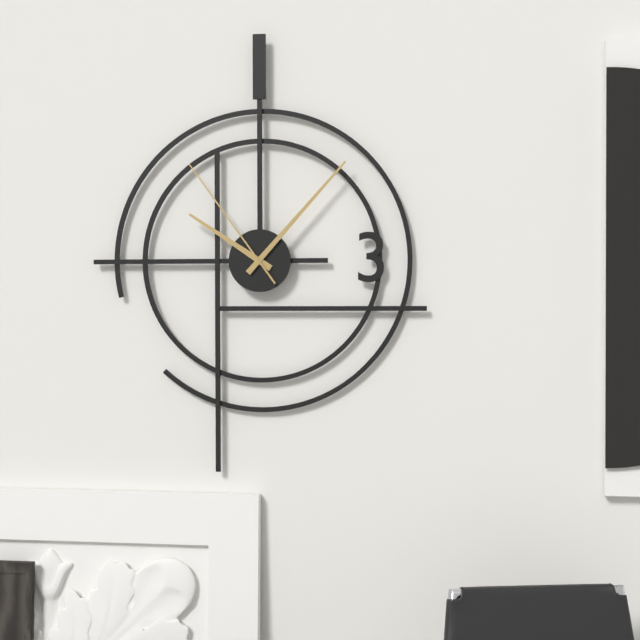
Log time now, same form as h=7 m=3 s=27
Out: h=10 m=7 s=54
